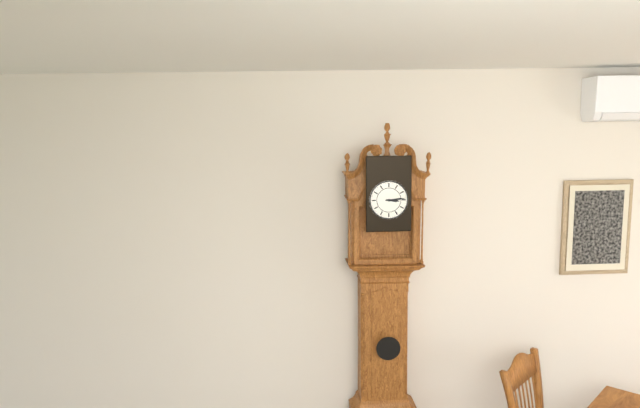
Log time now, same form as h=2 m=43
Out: h=3 m=14
